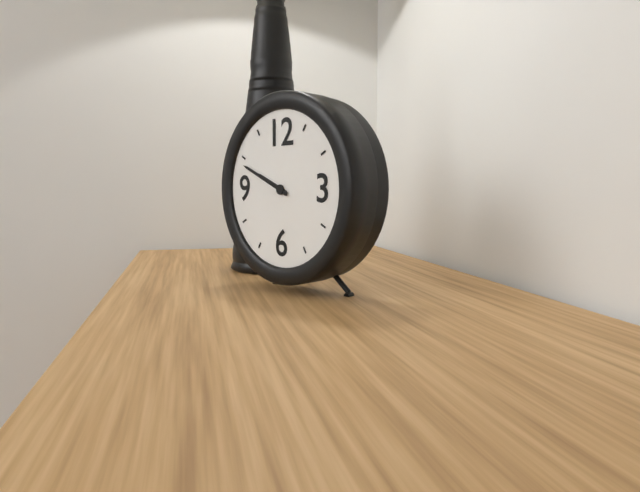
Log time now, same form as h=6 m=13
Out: h=9 m=49
